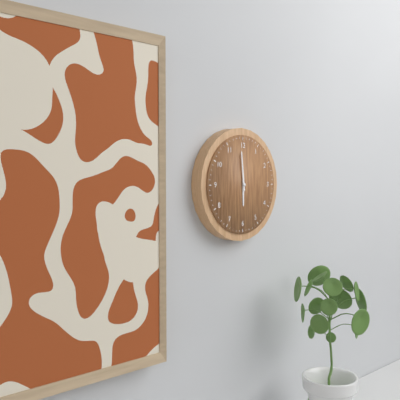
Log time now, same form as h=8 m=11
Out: h=5 m=59
